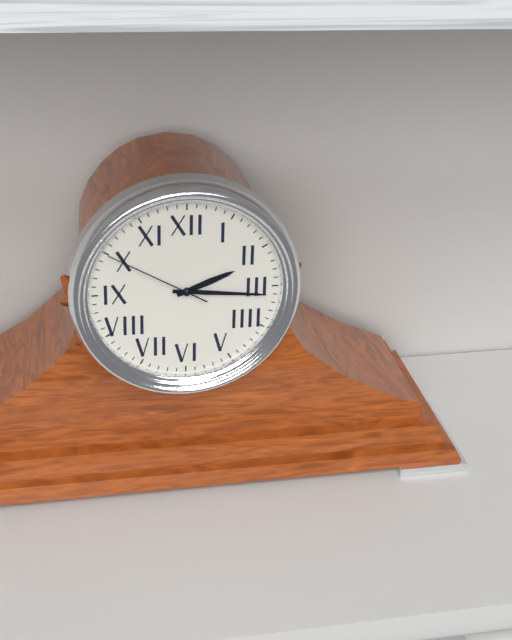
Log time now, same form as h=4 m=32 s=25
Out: h=2 m=16 s=50
